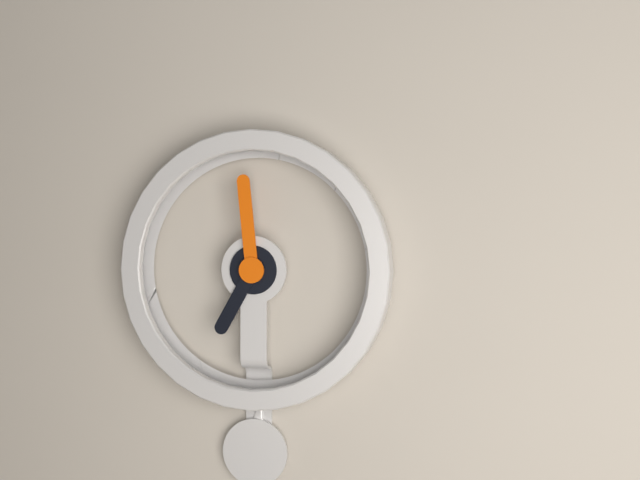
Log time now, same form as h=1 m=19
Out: h=6 m=59
